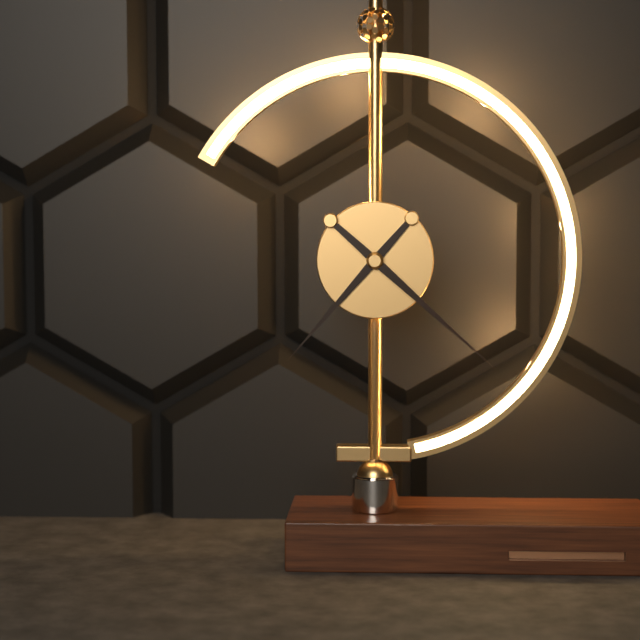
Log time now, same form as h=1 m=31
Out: h=7 m=22
